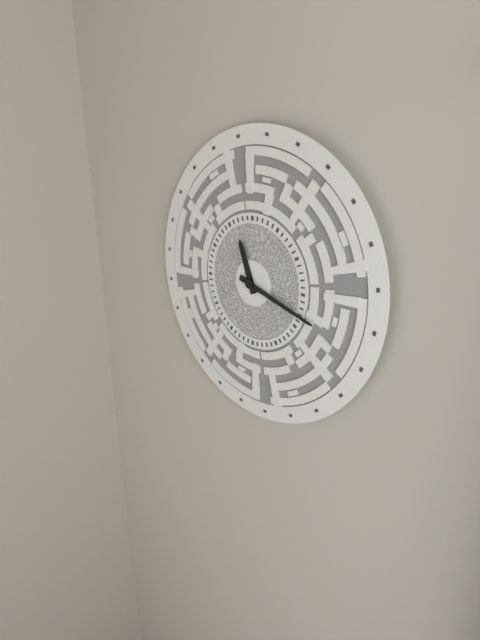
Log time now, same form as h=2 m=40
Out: h=11 m=18
